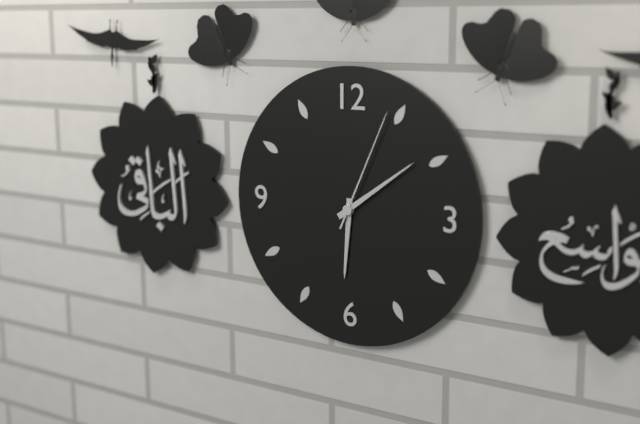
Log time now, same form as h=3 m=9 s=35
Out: h=6 m=9 s=4
